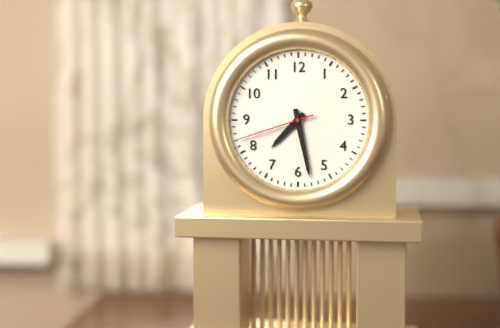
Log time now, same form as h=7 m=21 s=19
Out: h=7 m=28 s=42
